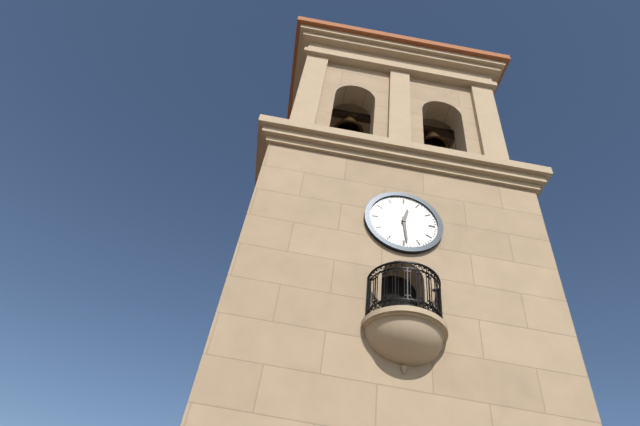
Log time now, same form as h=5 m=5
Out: h=12 m=29
